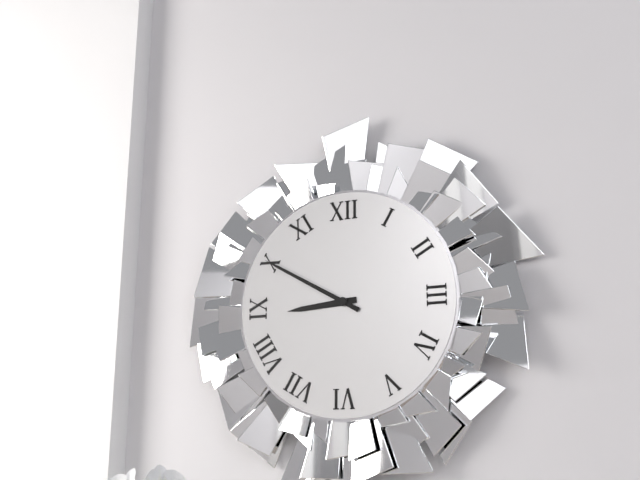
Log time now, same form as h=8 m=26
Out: h=8 m=50
